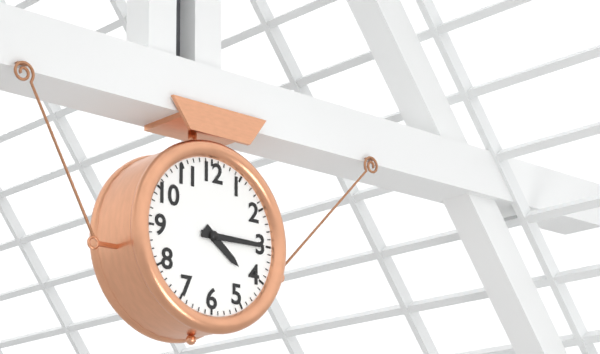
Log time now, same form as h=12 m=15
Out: h=4 m=15
